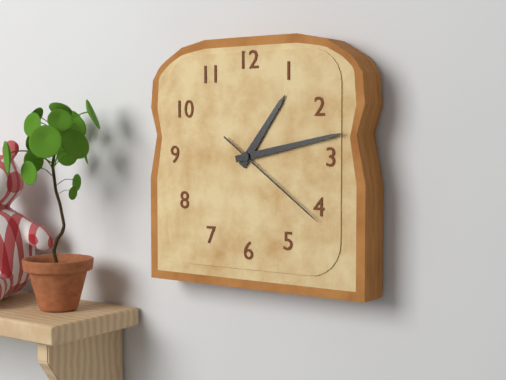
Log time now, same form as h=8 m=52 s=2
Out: h=1 m=13 s=21
